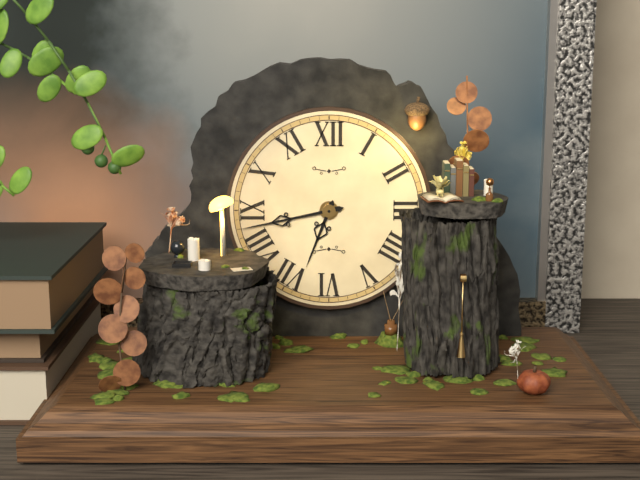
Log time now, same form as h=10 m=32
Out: h=6 m=43
